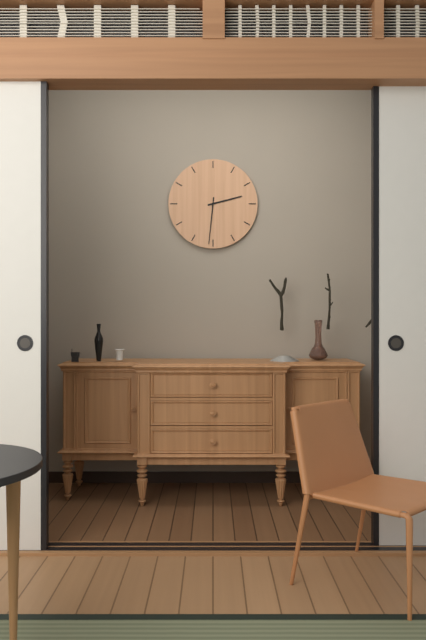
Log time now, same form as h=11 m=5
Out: h=2 m=31
